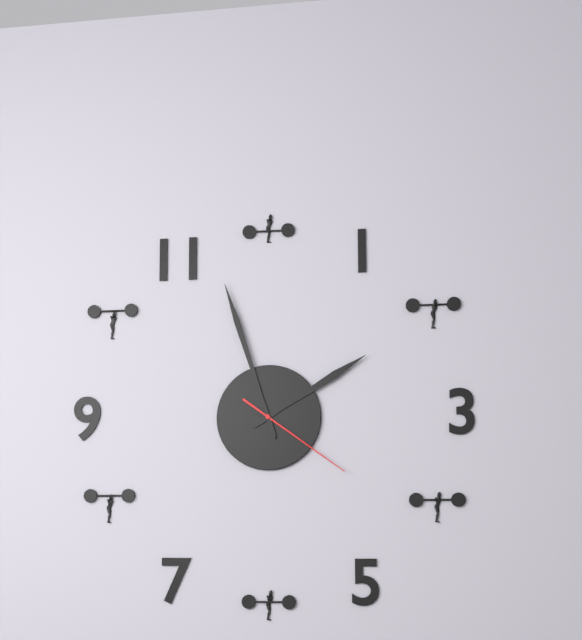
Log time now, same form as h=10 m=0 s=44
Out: h=1 m=57 s=21
